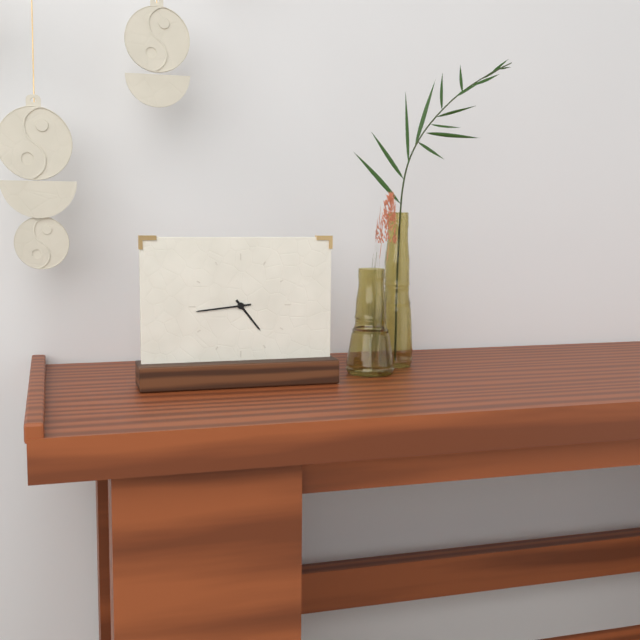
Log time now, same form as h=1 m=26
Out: h=4 m=44
